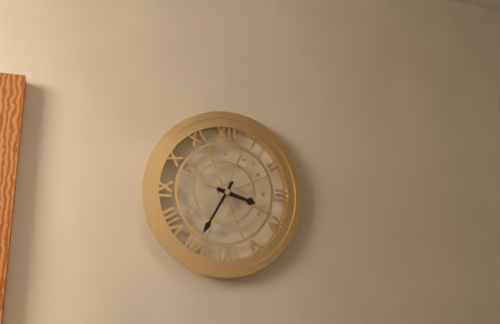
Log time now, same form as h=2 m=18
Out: h=3 m=35
